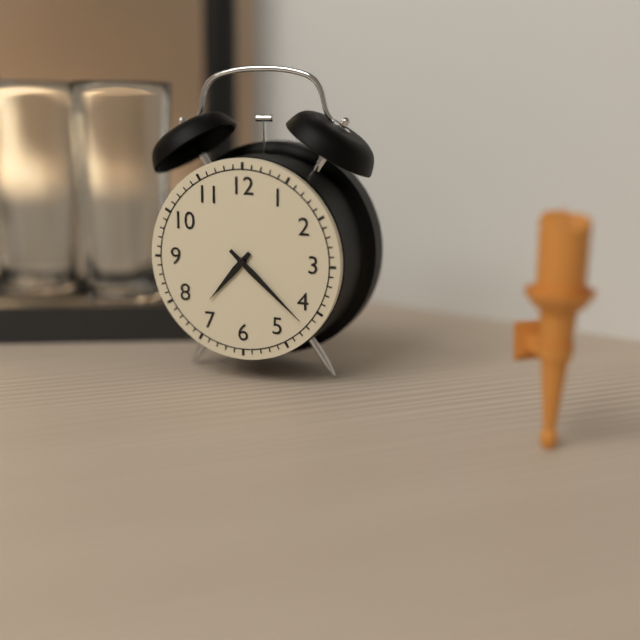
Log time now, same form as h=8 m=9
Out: h=7 m=22
